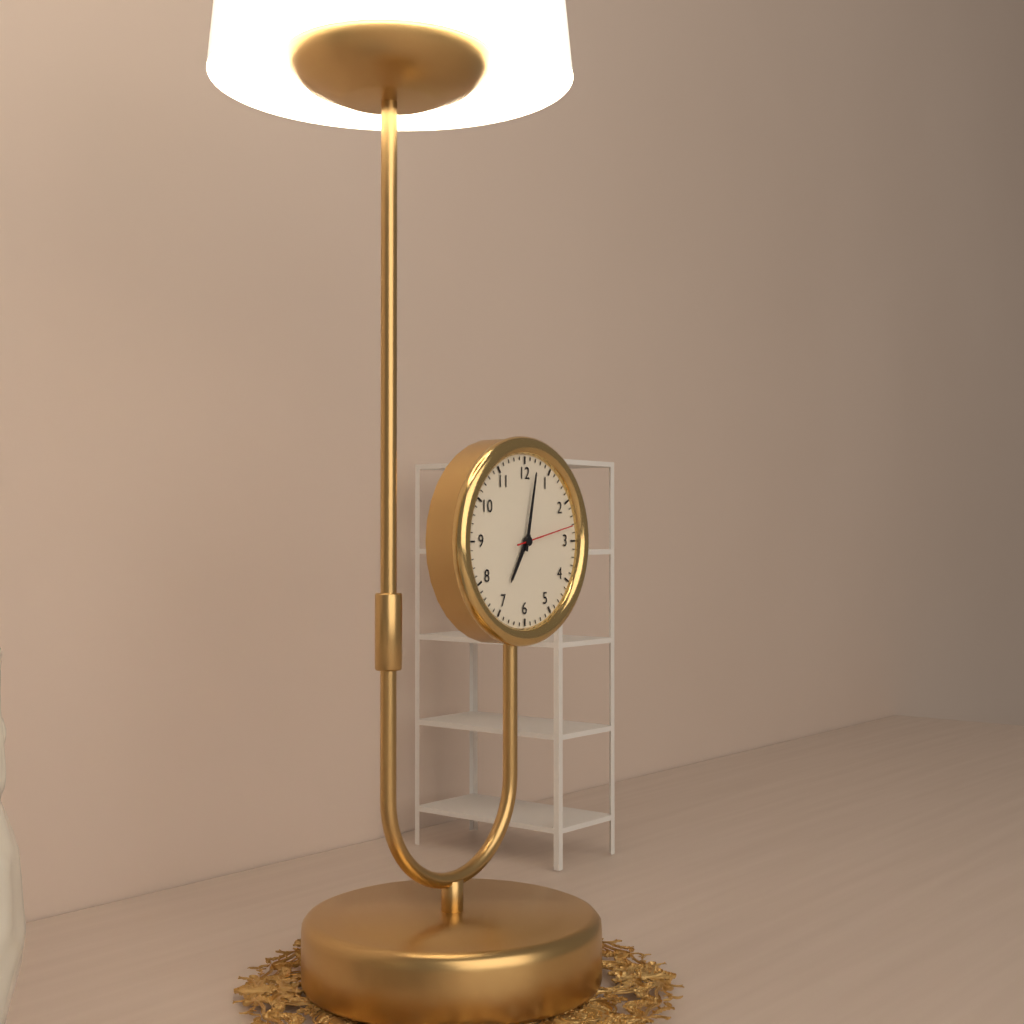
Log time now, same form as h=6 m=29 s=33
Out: h=7 m=2 s=13
